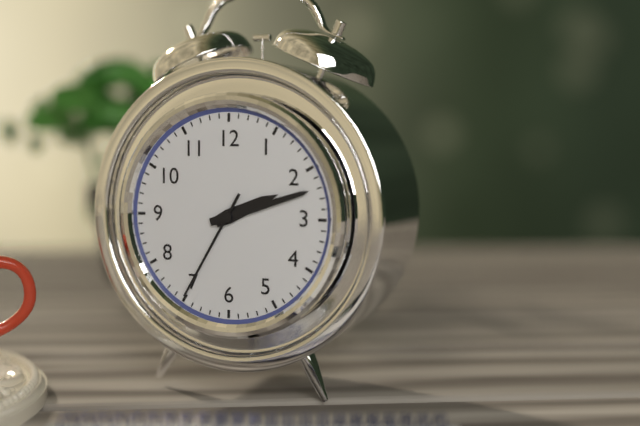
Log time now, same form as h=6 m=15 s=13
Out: h=2 m=12 s=35
